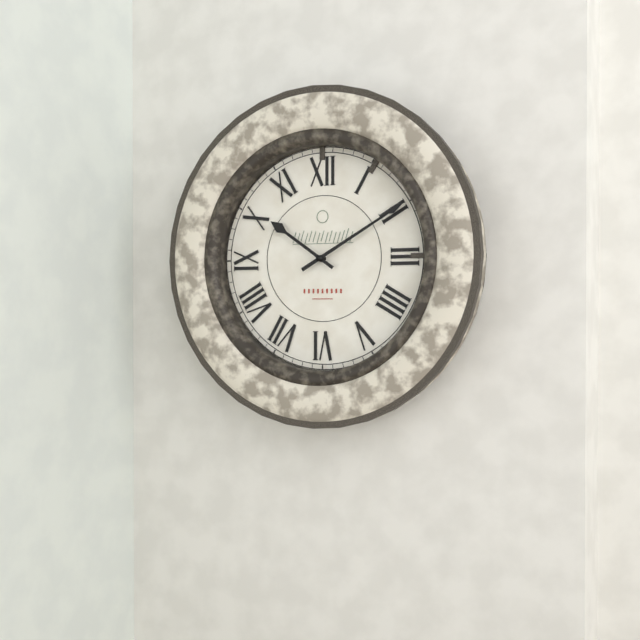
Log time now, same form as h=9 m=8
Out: h=10 m=10
